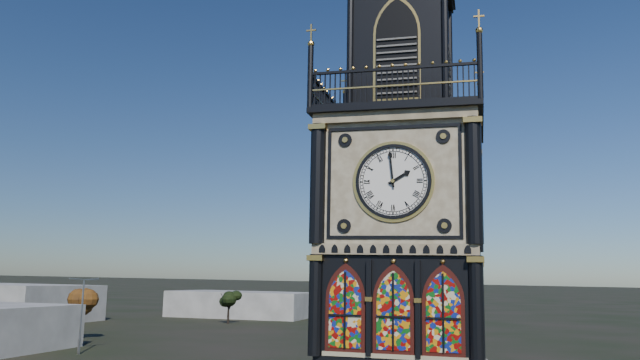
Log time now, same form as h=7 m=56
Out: h=1 m=59
